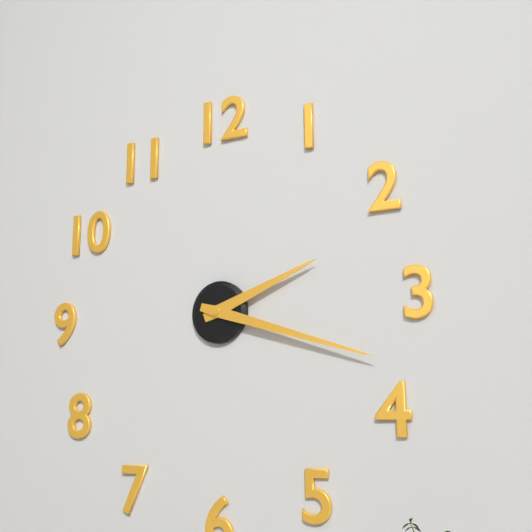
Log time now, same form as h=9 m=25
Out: h=2 m=18
